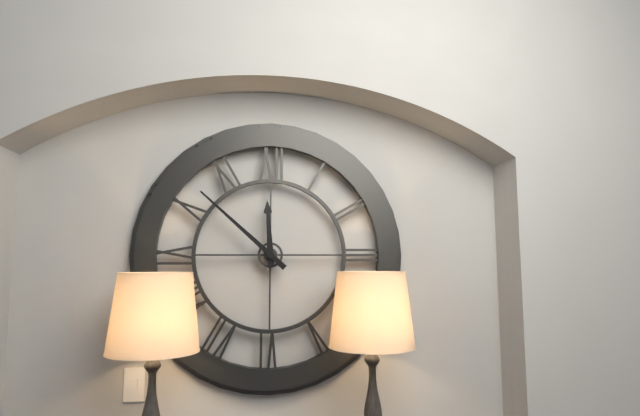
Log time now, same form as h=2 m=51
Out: h=11 m=52
